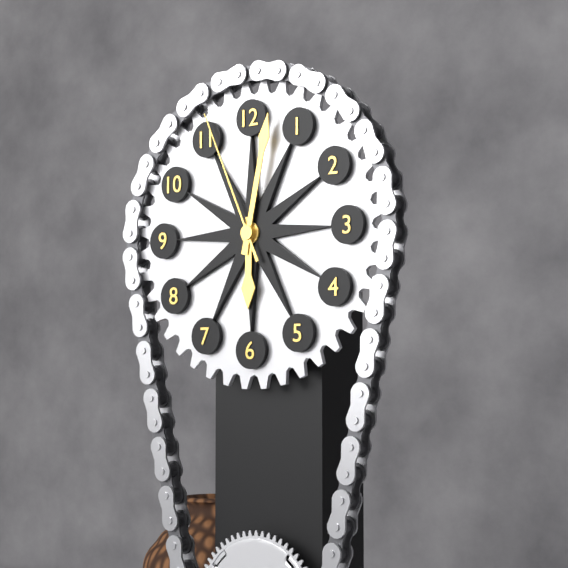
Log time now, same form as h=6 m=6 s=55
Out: h=6 m=2 s=56
